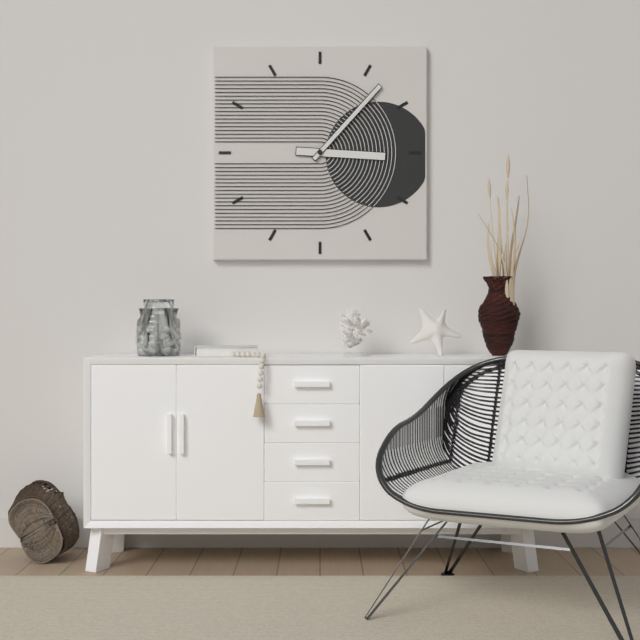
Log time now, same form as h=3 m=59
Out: h=3 m=7
